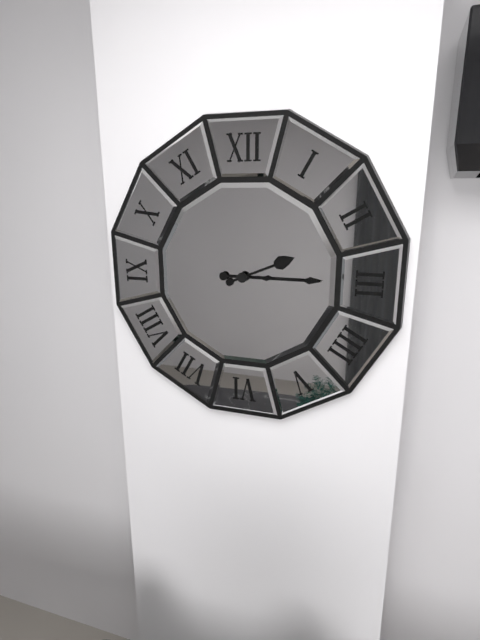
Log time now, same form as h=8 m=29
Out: h=2 m=15
